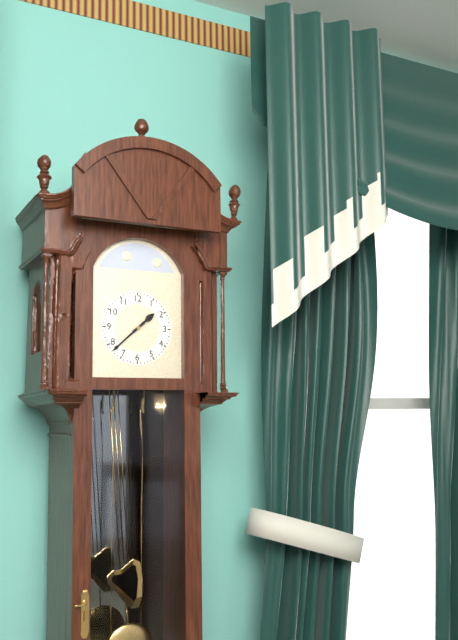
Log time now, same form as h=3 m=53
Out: h=1 m=38
